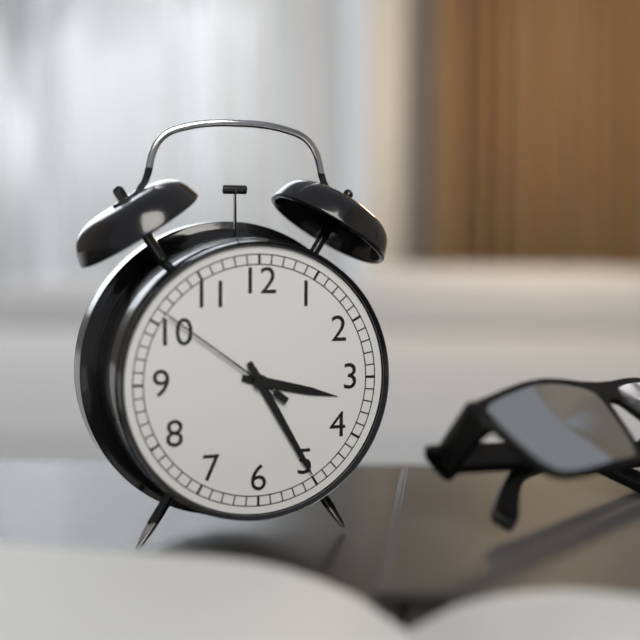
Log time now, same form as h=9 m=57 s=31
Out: h=3 m=25 s=51
